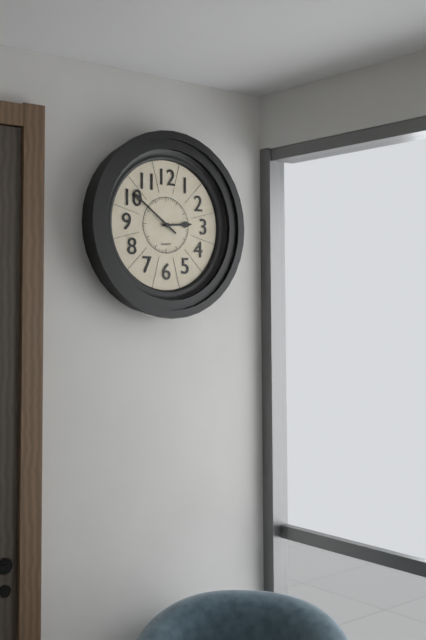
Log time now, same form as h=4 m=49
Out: h=2 m=51
